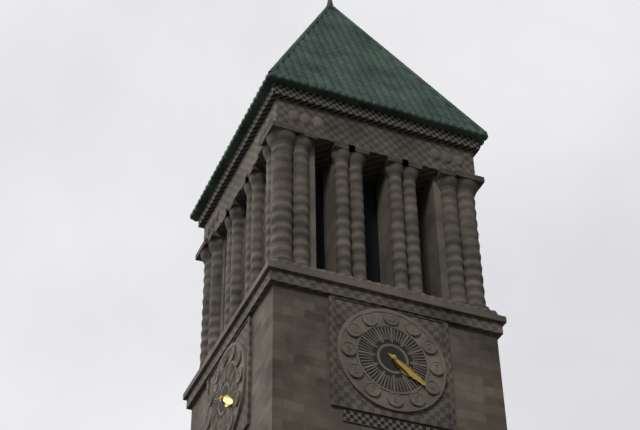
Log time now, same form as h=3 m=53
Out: h=4 m=21
